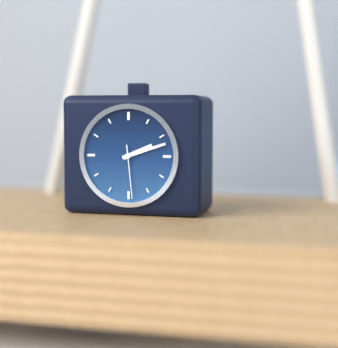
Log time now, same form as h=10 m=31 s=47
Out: h=2 m=12 s=29
